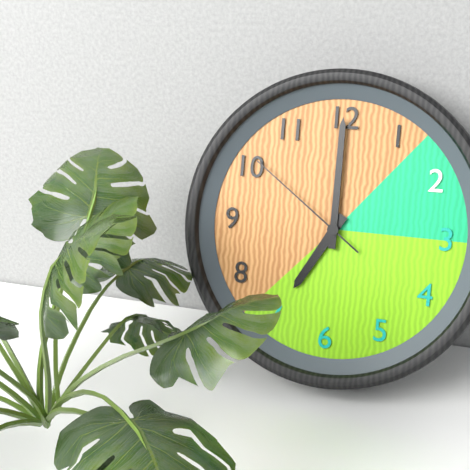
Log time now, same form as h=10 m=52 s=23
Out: h=7 m=0 s=51
